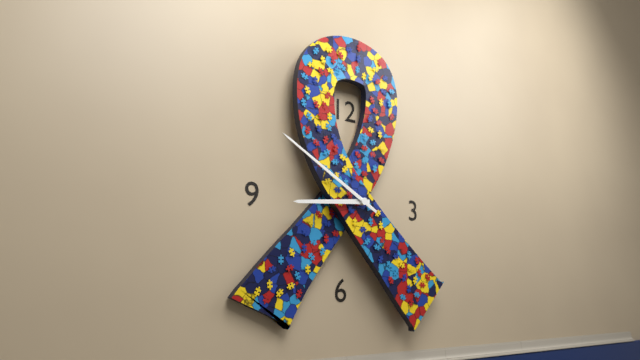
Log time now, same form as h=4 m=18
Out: h=8 m=50
